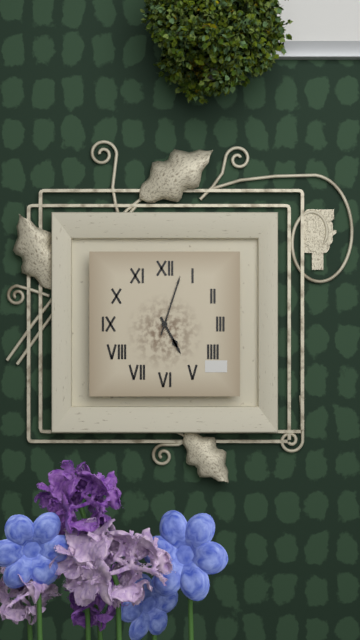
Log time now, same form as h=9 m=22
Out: h=5 m=3
